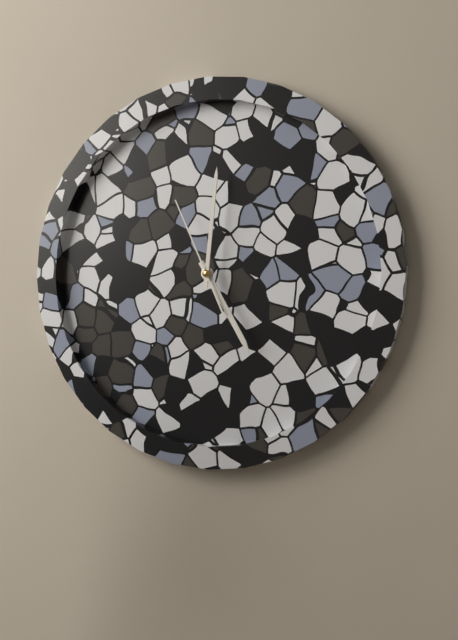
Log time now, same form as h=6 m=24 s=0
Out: h=5 m=1 s=56
